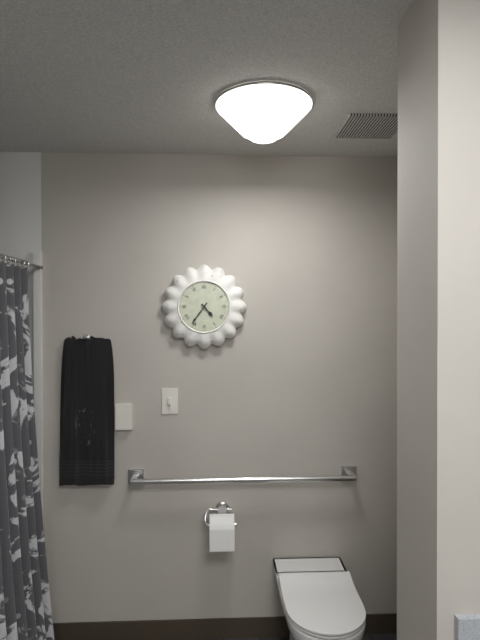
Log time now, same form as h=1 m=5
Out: h=4 m=36
